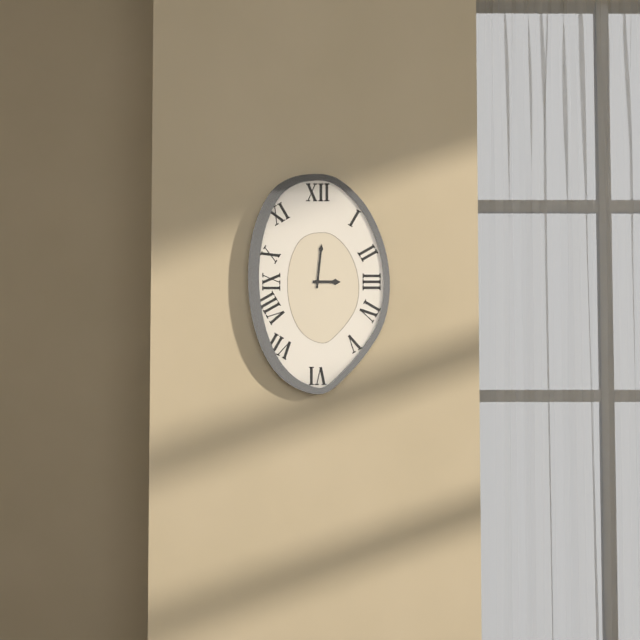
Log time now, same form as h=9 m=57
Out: h=3 m=1
